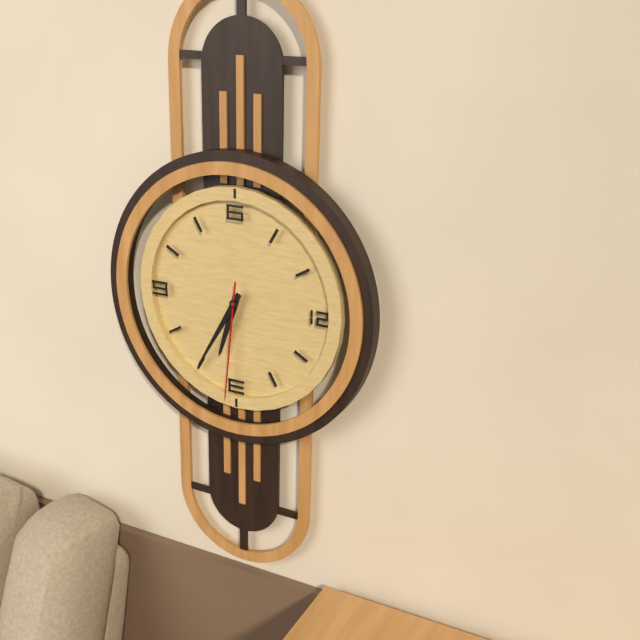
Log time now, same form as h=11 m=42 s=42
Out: h=6 m=35 s=31
